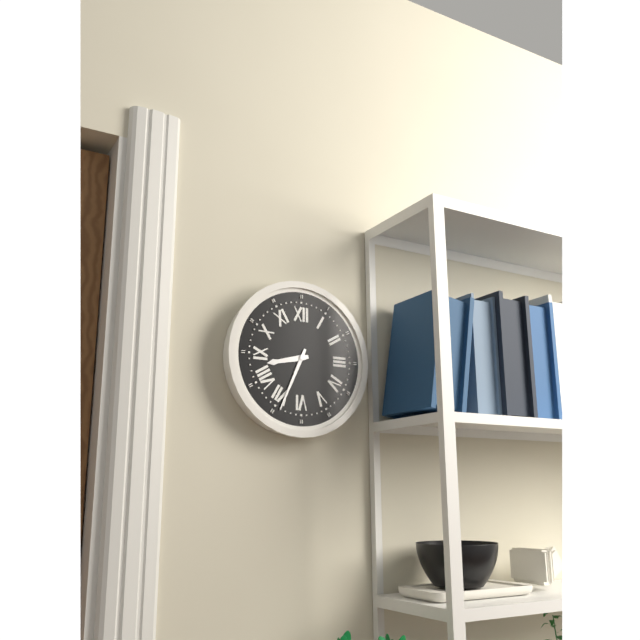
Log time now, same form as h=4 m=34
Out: h=8 m=34
